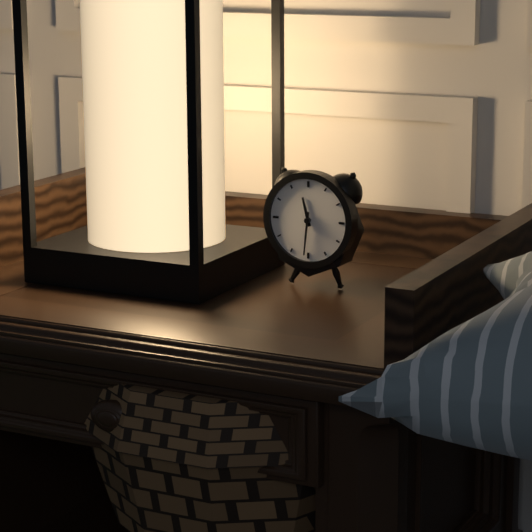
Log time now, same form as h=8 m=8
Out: h=11 m=31
